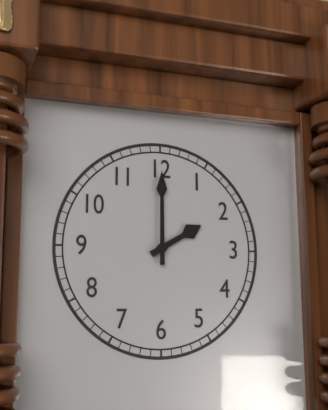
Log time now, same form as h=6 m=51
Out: h=2 m=0
